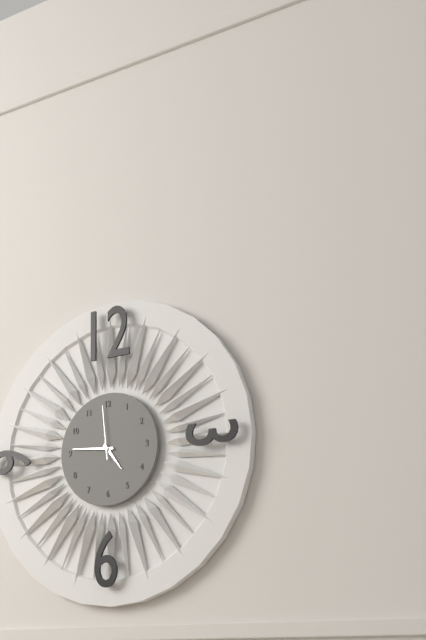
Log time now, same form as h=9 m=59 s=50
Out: h=4 m=46 s=59
